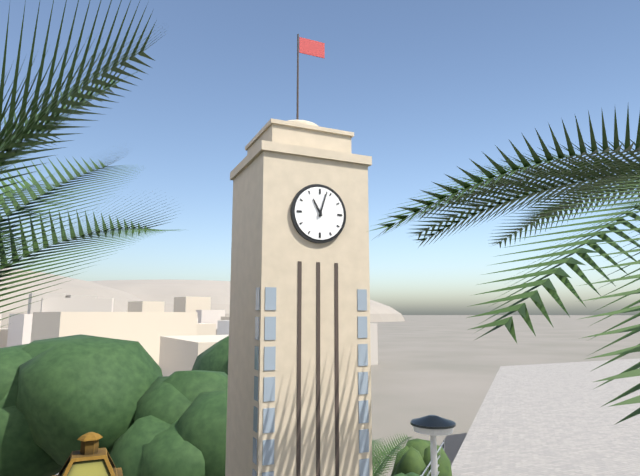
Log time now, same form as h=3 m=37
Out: h=11 m=3
